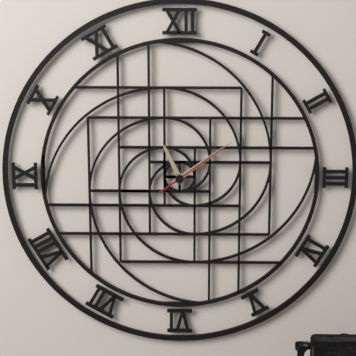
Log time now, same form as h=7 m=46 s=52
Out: h=11 m=9 s=9
